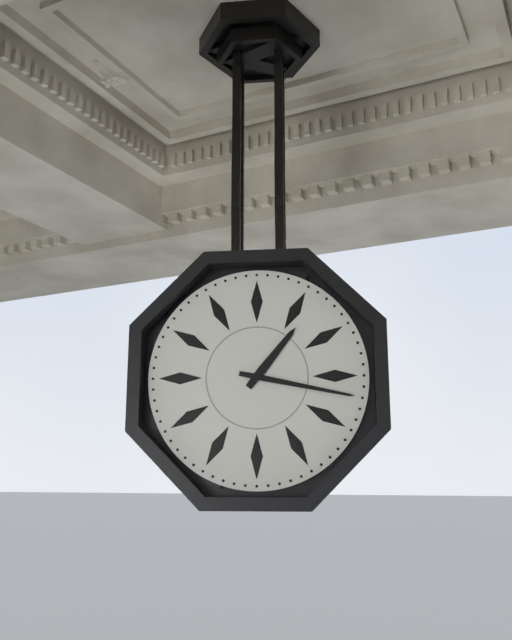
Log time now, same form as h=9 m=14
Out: h=1 m=17
